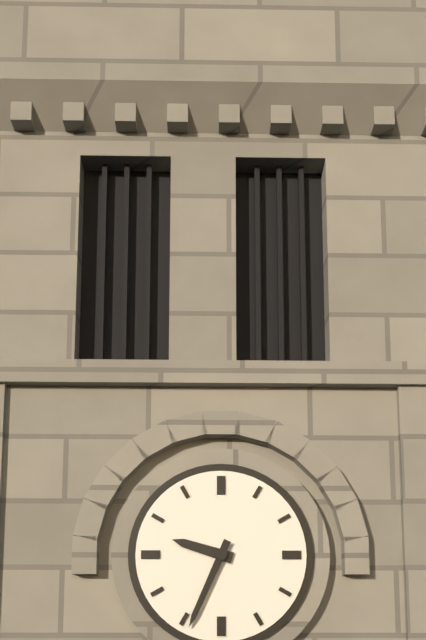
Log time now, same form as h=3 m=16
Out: h=9 m=34
